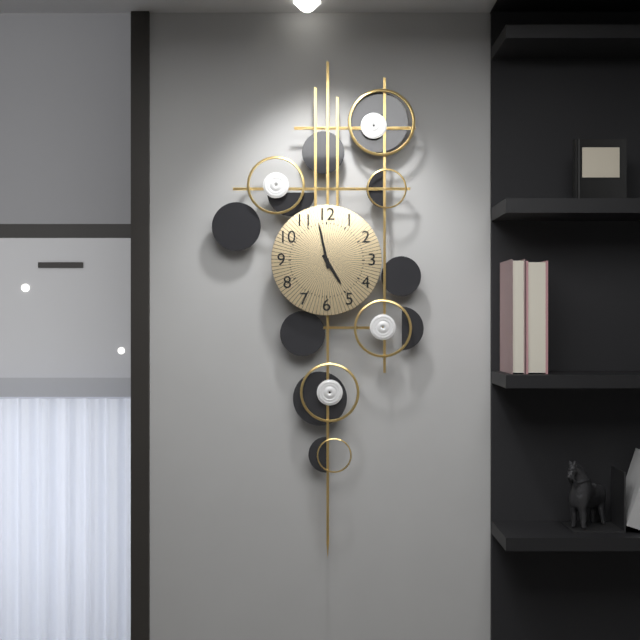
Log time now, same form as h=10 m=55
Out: h=4 m=58
